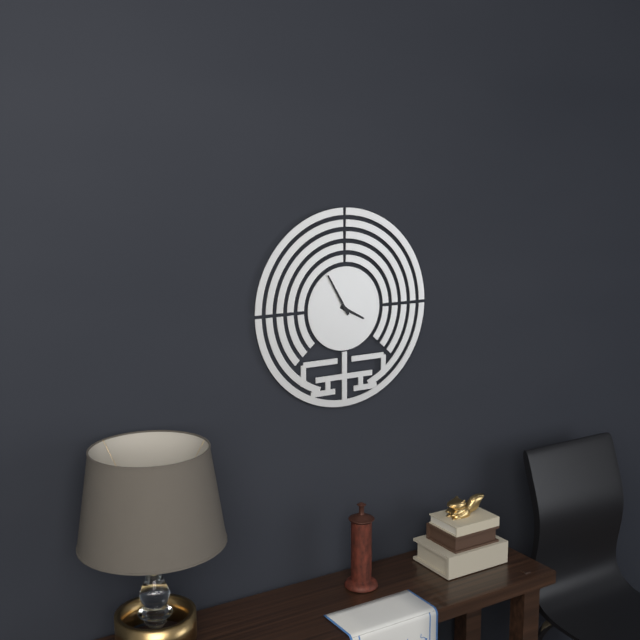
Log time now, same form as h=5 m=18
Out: h=3 m=55
